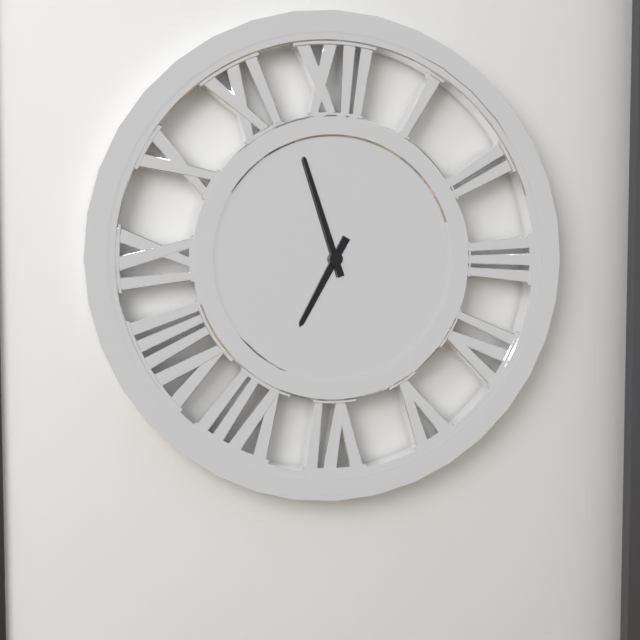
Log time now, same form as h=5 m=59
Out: h=6 m=57
